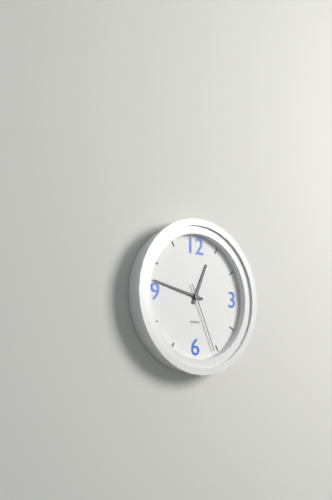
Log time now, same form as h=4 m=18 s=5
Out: h=12 m=47 s=26
